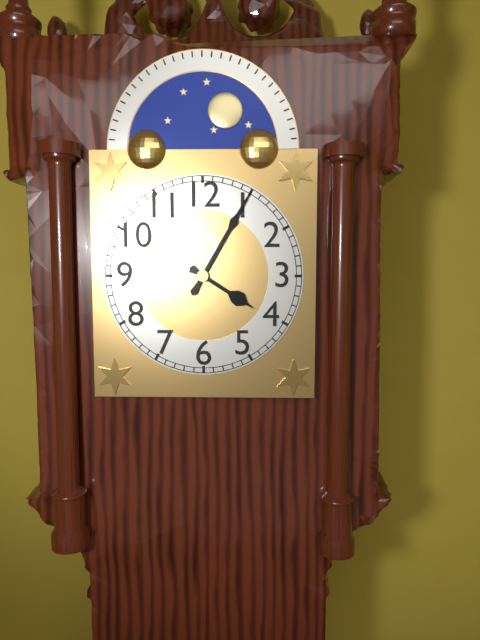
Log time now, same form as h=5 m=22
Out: h=4 m=5
